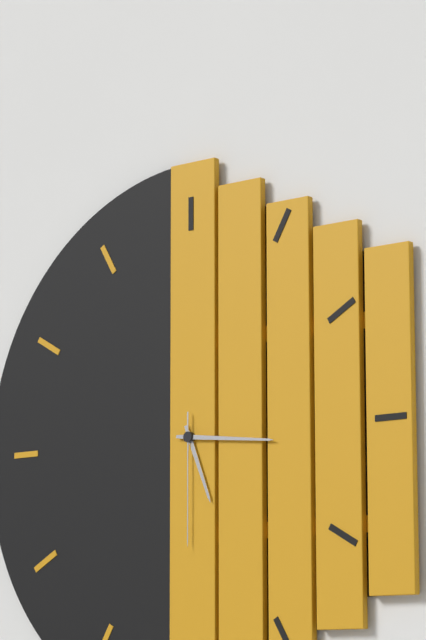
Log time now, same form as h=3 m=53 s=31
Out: h=5 m=16 s=30
